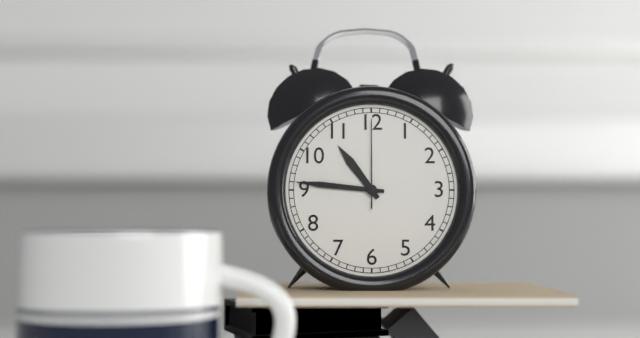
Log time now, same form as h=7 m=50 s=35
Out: h=10 m=46 s=0
